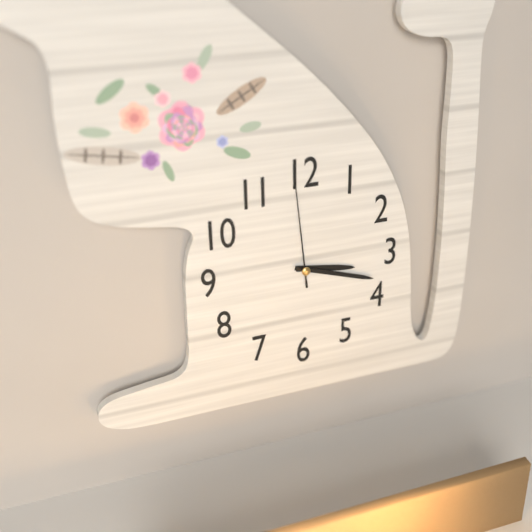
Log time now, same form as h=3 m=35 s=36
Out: h=3 m=18 s=59
